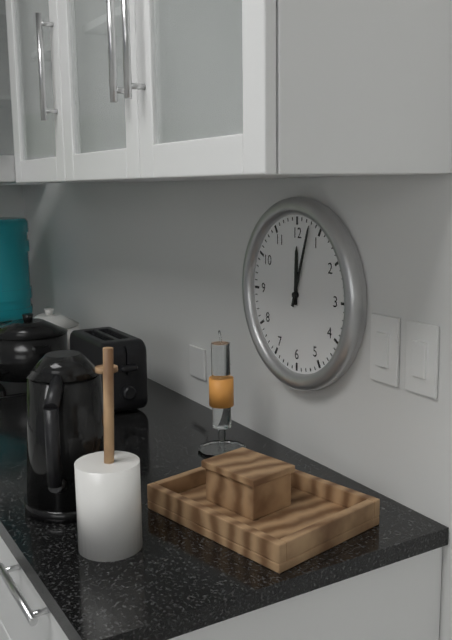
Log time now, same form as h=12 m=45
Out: h=12 m=3
